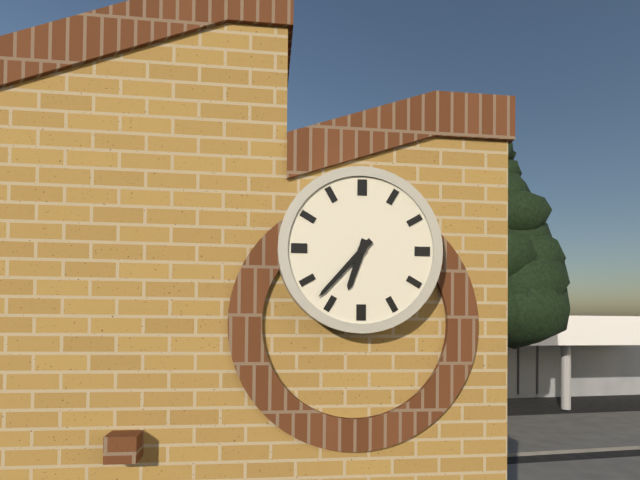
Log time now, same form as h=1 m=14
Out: h=6 m=37
